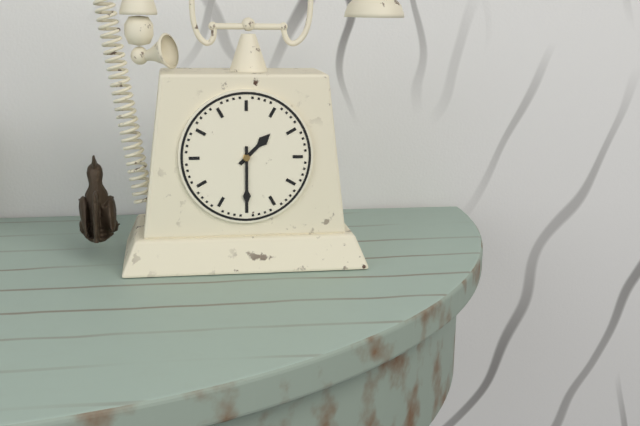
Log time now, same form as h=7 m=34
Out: h=1 m=30
